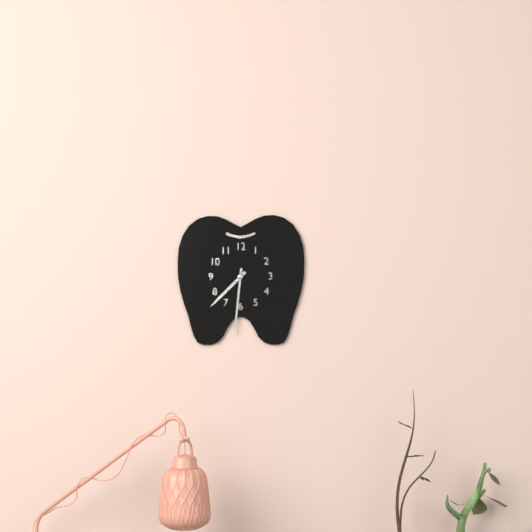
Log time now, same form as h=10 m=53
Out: h=7 m=31
